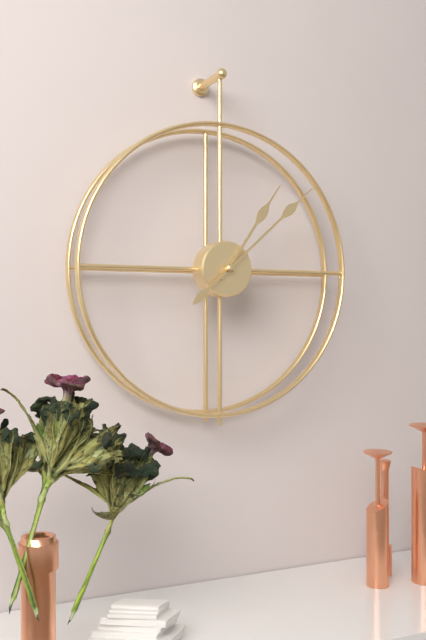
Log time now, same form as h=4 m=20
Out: h=1 m=8
